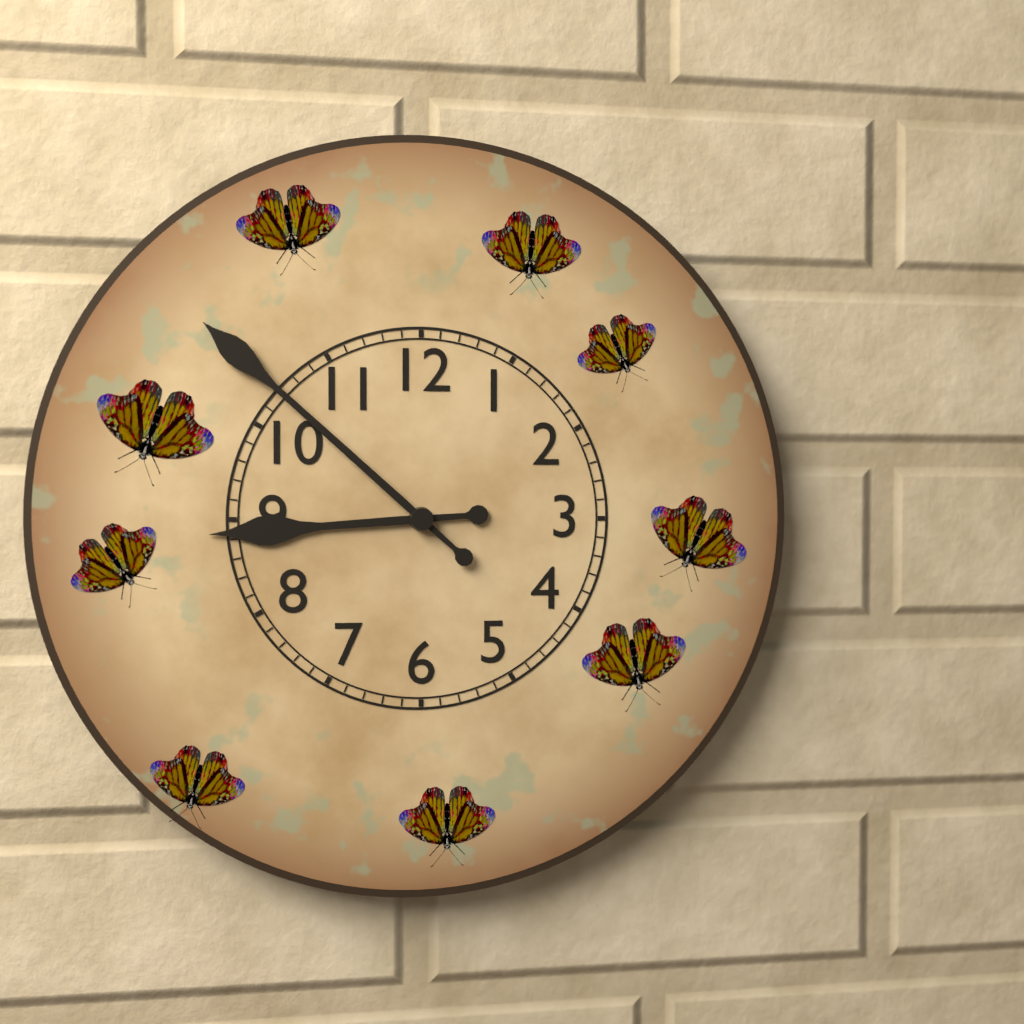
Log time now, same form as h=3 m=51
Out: h=8 m=52
